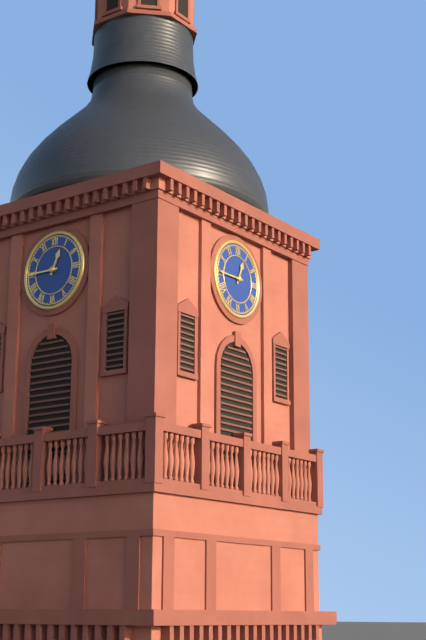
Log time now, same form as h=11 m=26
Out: h=12 m=45
